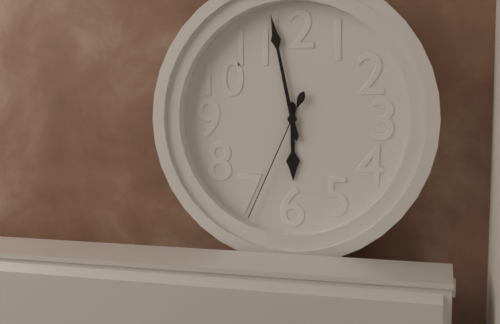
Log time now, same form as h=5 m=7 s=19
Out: h=5 m=58 s=34
